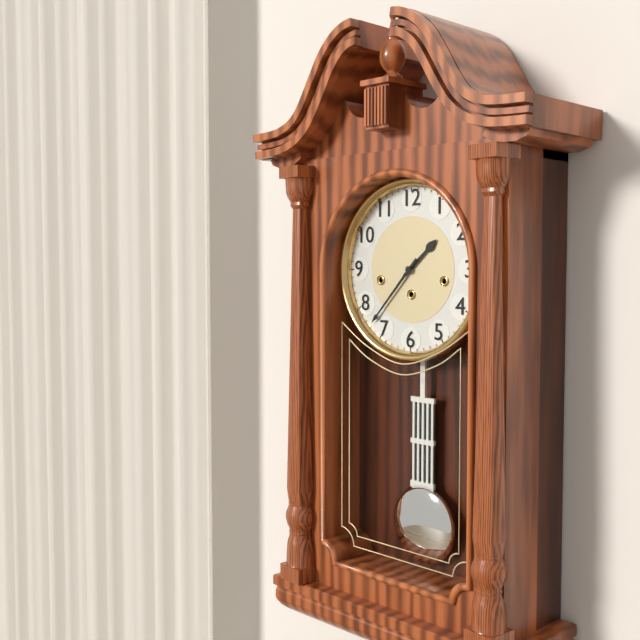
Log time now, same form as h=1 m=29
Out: h=1 m=37
